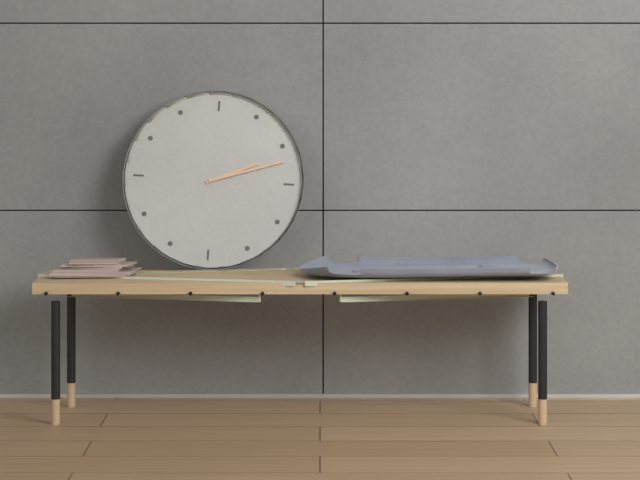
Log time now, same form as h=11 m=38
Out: h=2 m=12
